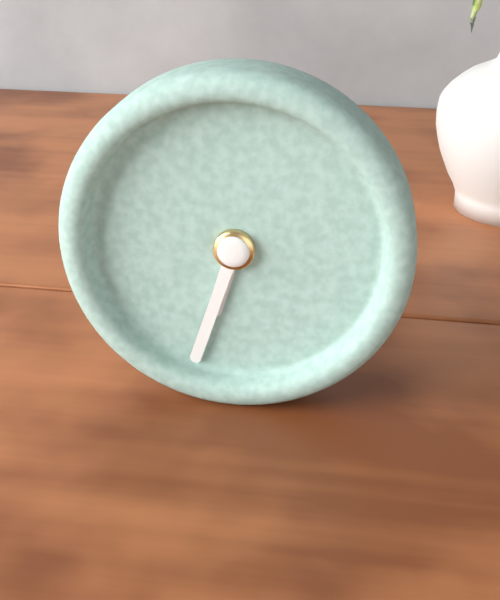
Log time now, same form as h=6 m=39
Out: h=6 m=33
